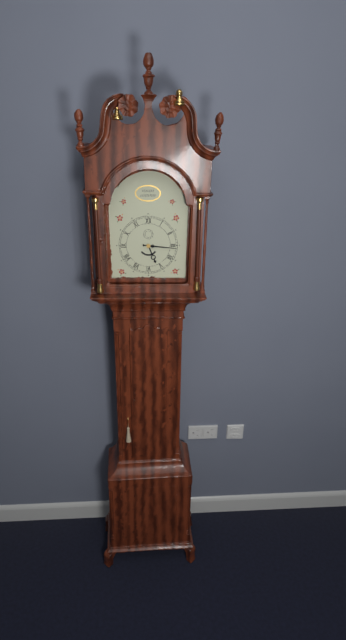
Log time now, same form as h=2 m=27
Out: h=5 m=16
